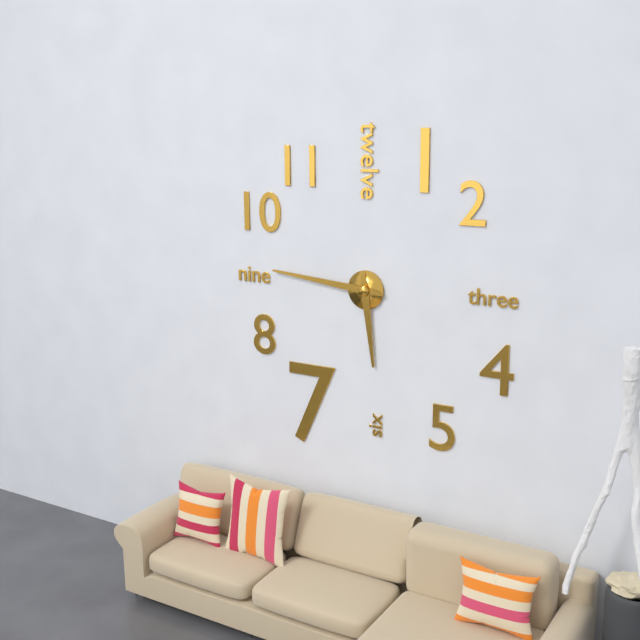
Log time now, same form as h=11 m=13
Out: h=5 m=46
